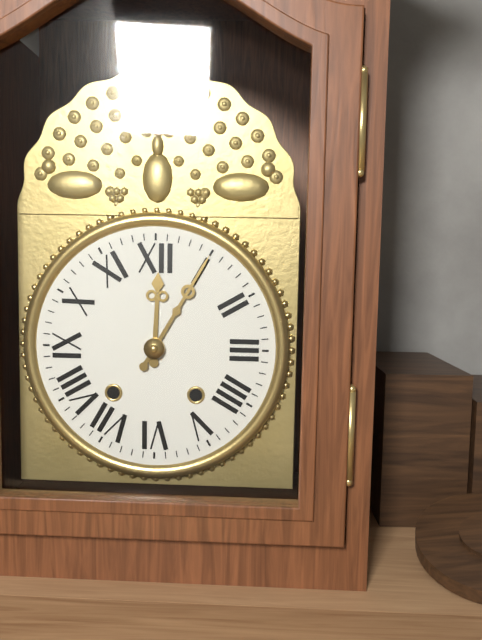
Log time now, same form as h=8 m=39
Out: h=12 m=5
